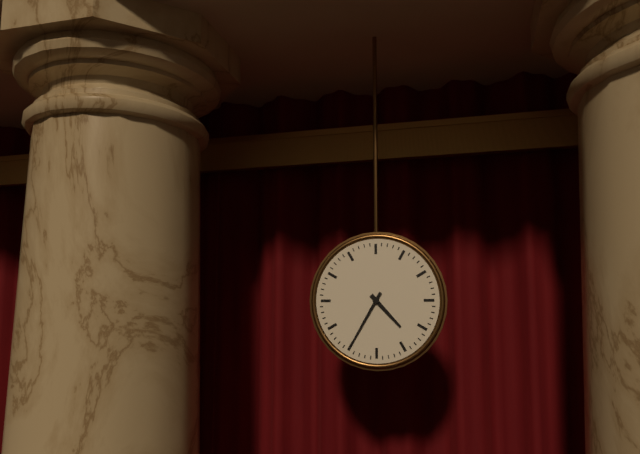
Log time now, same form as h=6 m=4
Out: h=4 m=35
